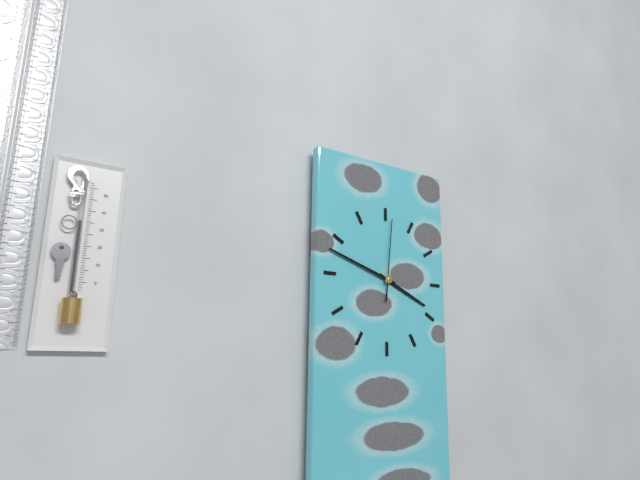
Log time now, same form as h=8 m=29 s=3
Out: h=3 m=48 s=1
